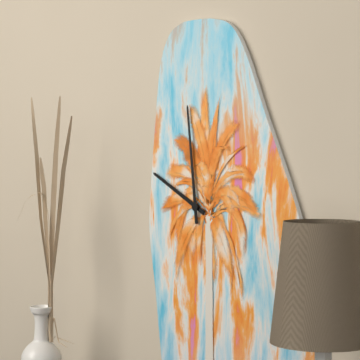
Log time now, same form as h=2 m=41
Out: h=9 m=59
